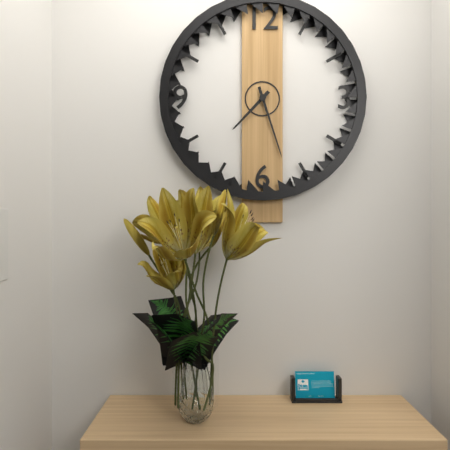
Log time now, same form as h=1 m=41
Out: h=7 m=27
